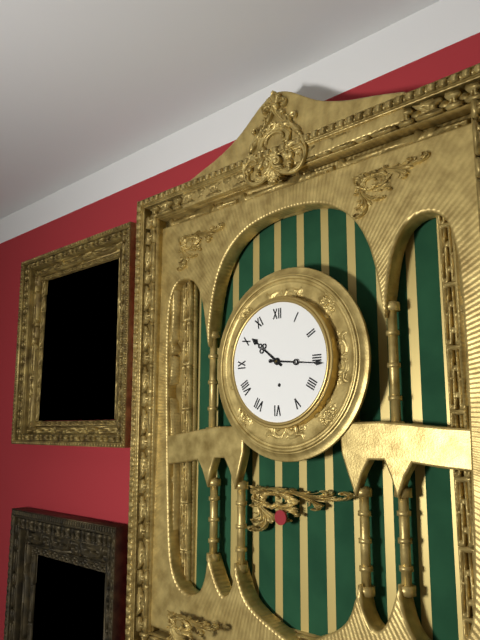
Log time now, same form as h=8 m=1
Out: h=10 m=16
